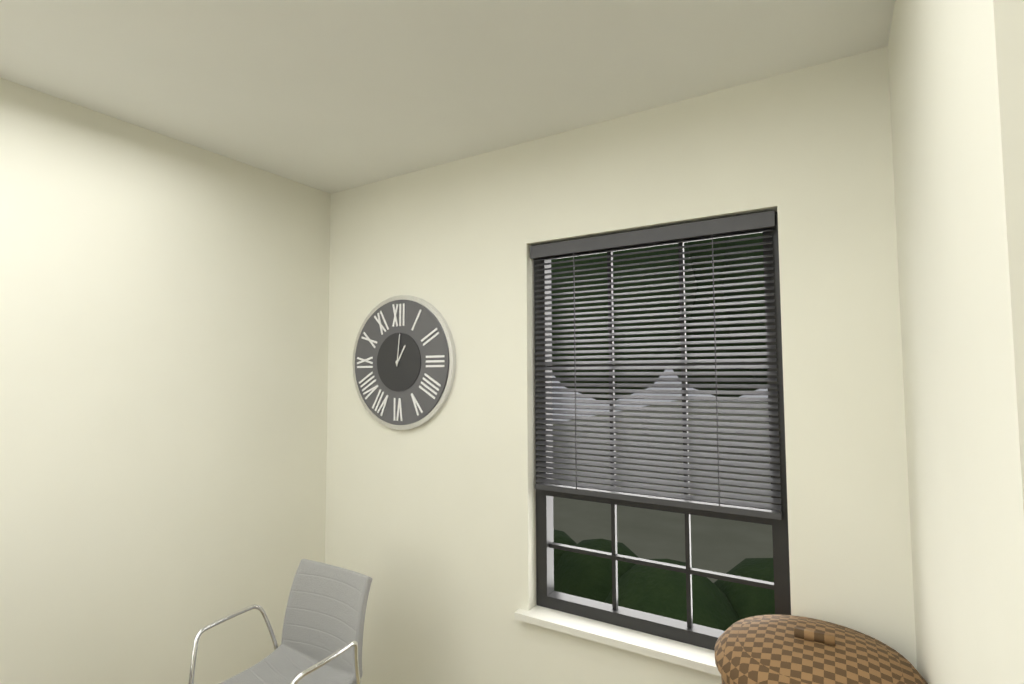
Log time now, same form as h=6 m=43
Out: h=1 m=1
